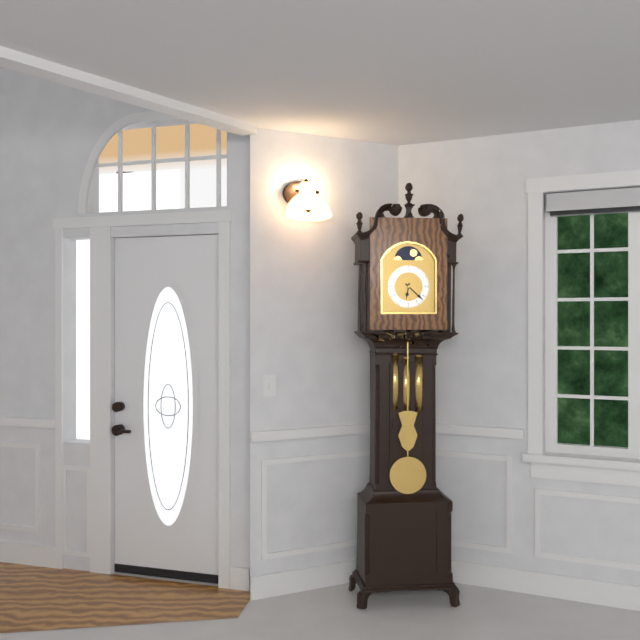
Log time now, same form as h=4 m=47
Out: h=6 m=22
